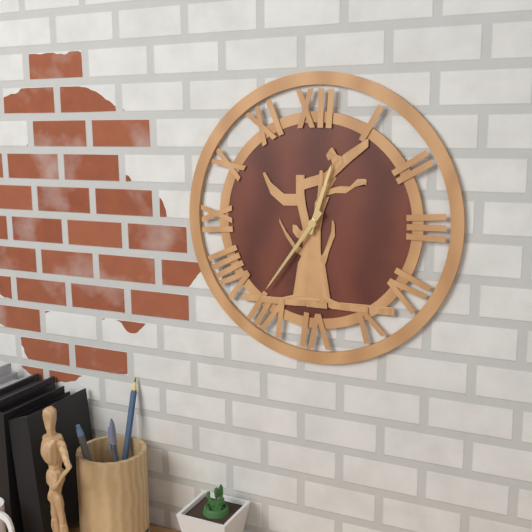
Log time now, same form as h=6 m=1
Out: h=12 m=36
